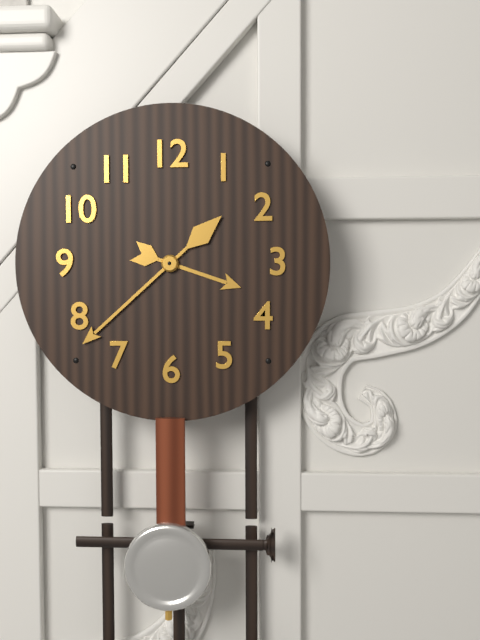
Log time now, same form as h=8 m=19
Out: h=3 m=38
